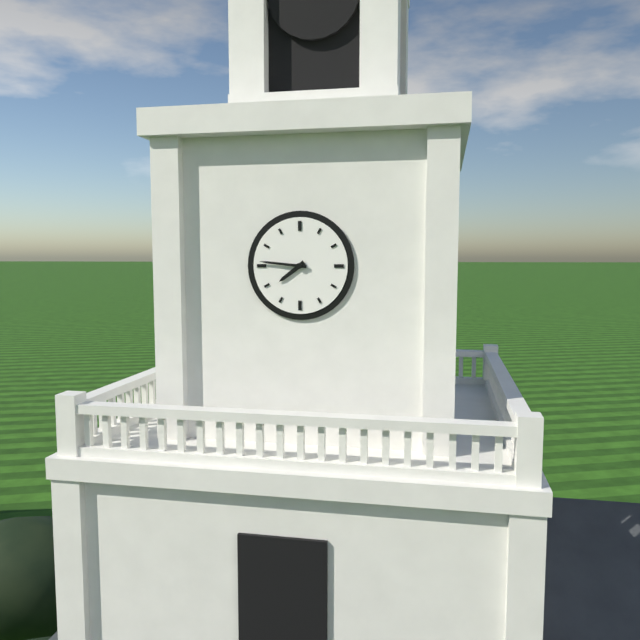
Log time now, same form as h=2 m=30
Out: h=7 m=46
